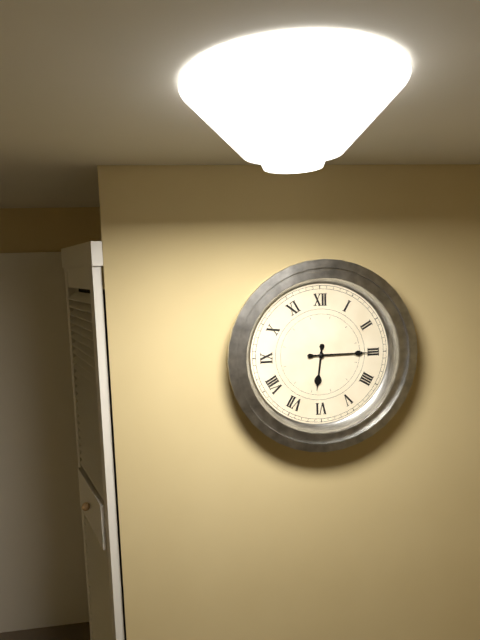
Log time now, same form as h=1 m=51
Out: h=6 m=15
